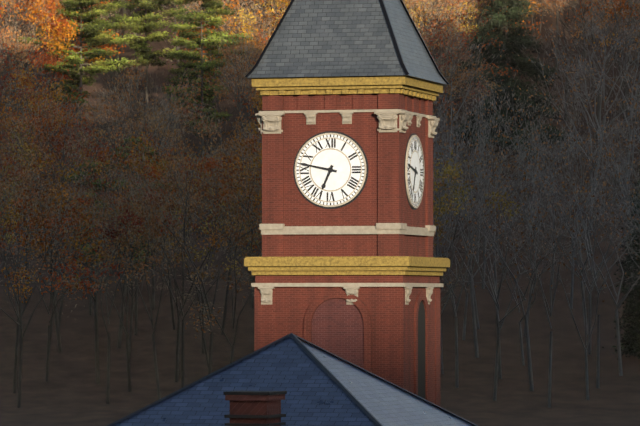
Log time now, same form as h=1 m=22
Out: h=6 m=47
